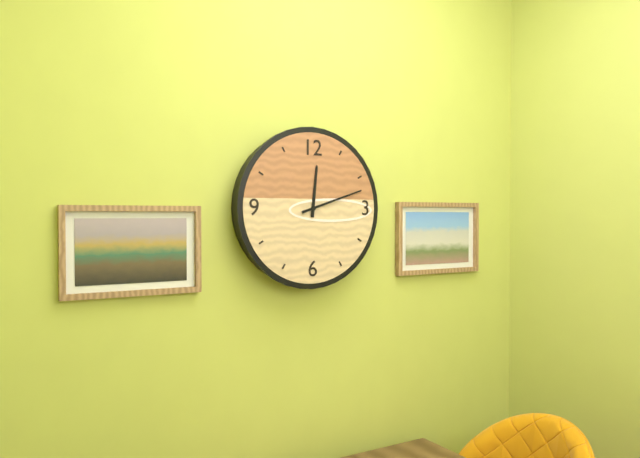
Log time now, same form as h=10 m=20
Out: h=12 m=12
